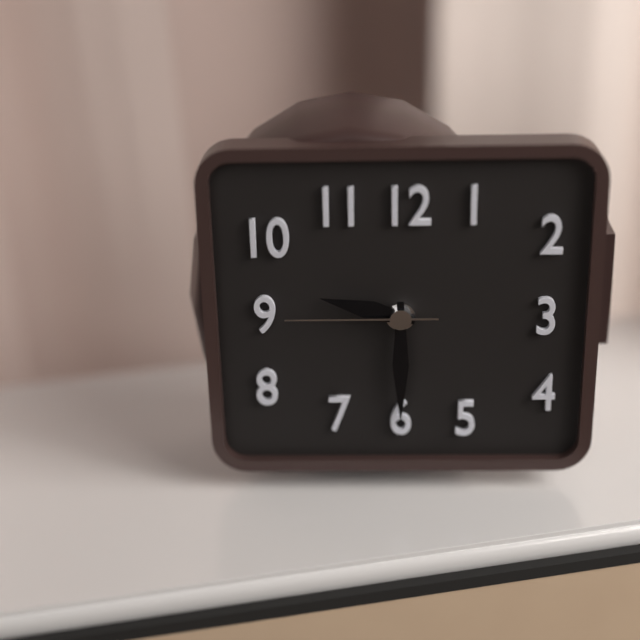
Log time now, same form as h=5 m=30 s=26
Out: h=9 m=30 s=45
